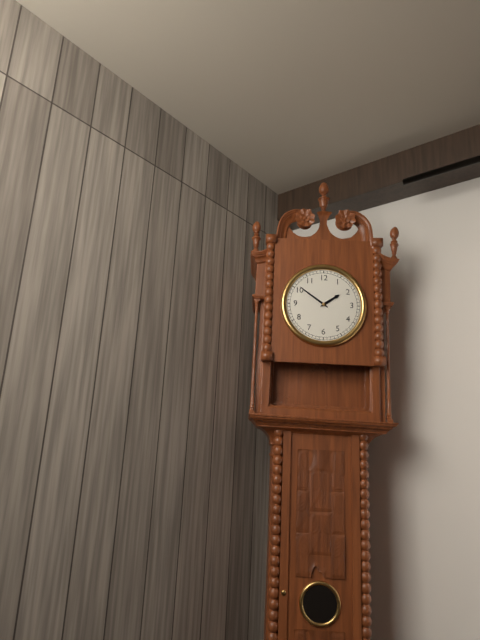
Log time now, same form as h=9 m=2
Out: h=1 m=51
